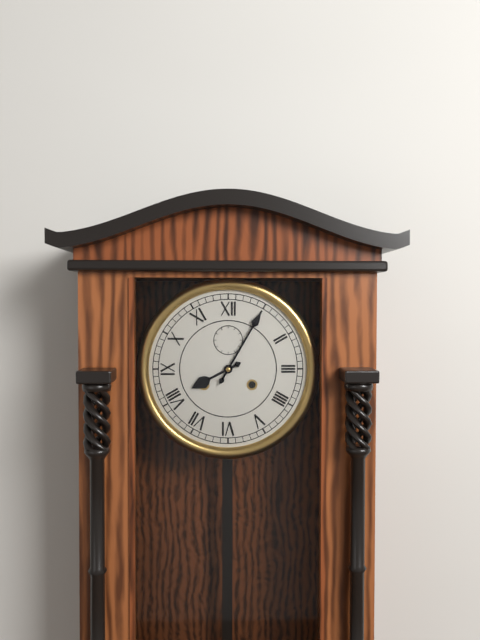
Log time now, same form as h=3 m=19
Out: h=8 m=5
